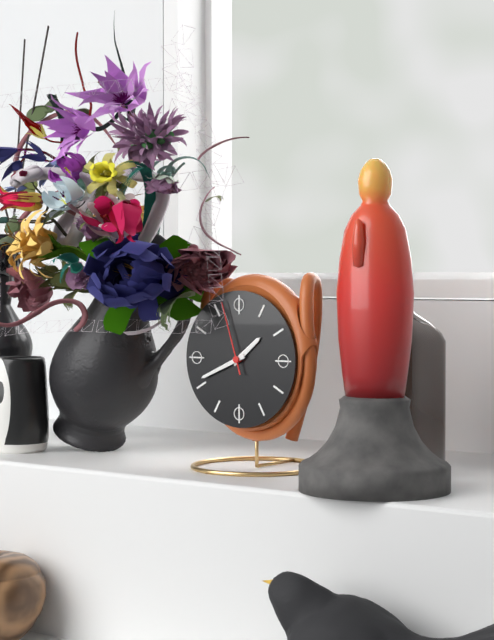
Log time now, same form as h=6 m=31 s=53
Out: h=1 m=41 s=57
